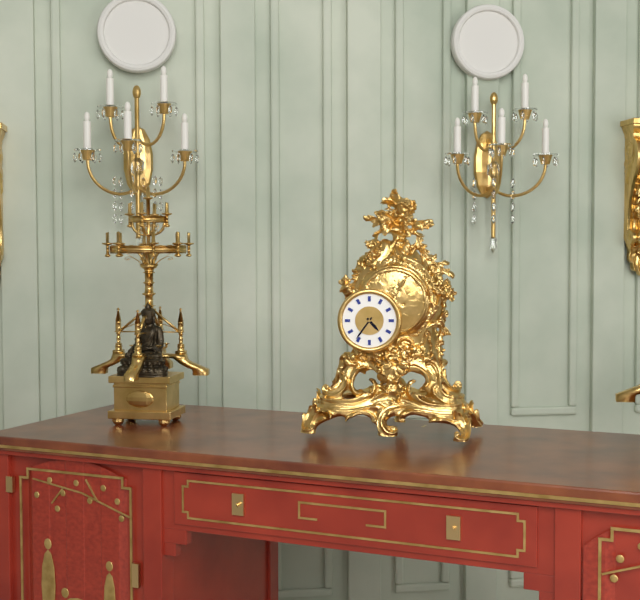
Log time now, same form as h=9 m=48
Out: h=4 m=36
